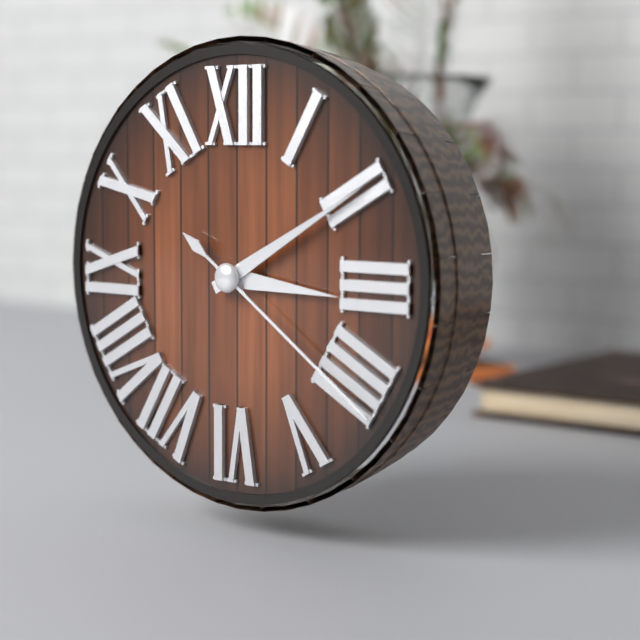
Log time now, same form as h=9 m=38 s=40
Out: h=3 m=10 s=21
